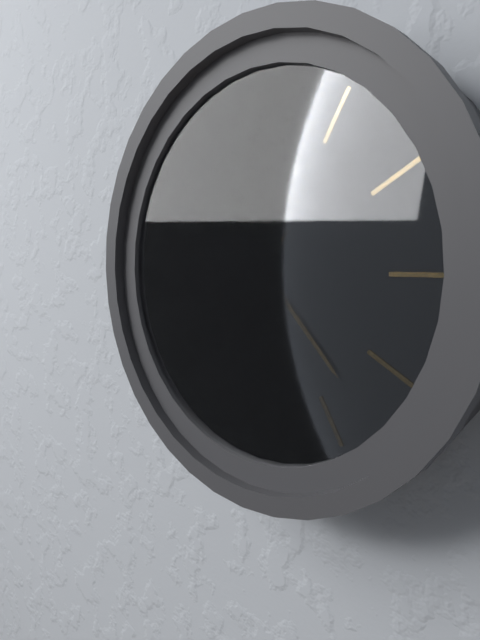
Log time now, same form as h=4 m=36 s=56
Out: h=4 m=34 s=36
